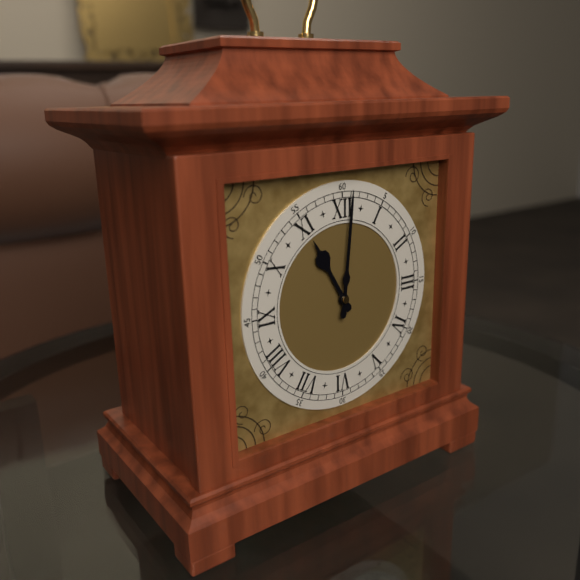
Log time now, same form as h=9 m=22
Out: h=11 m=1
